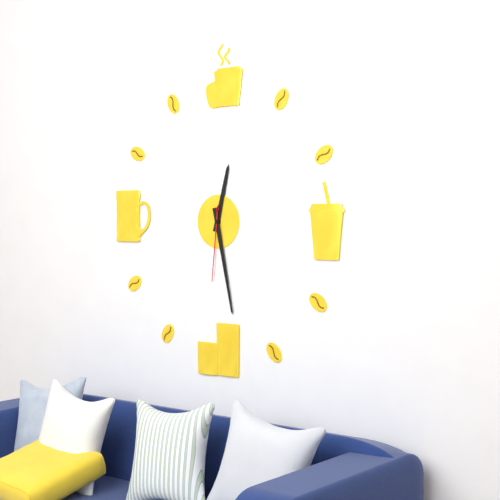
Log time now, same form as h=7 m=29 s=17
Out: h=12 m=28 s=31
